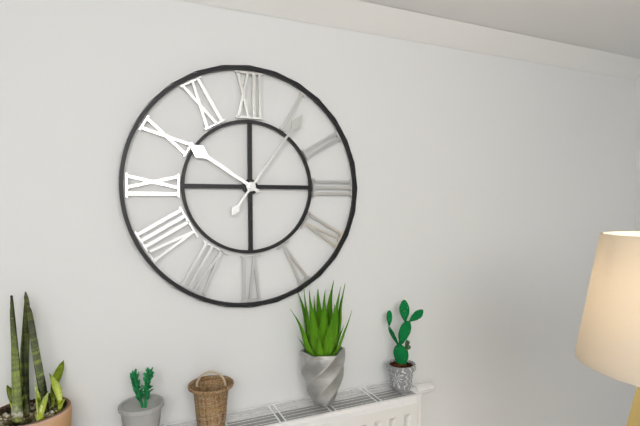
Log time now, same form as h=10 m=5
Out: h=10 m=6
